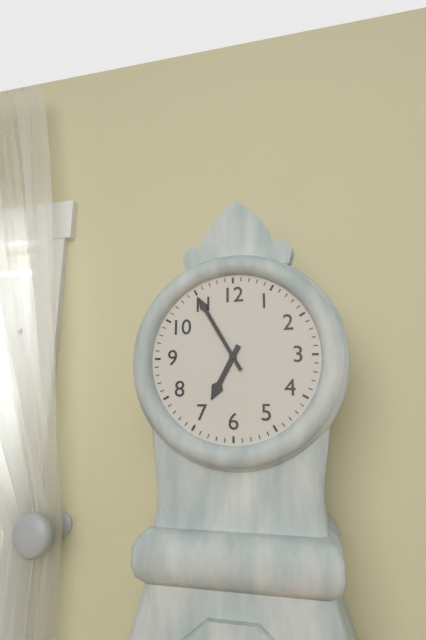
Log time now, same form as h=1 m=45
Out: h=6 m=55
